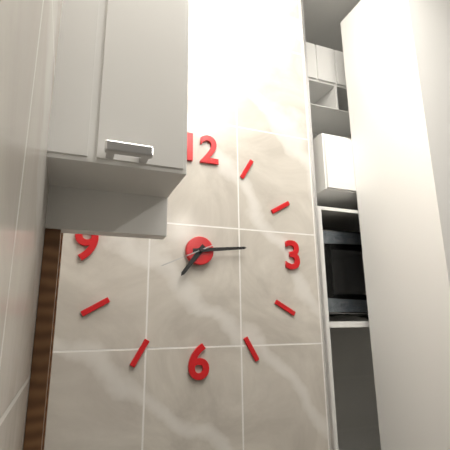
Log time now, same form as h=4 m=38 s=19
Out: h=7 m=14 s=41
